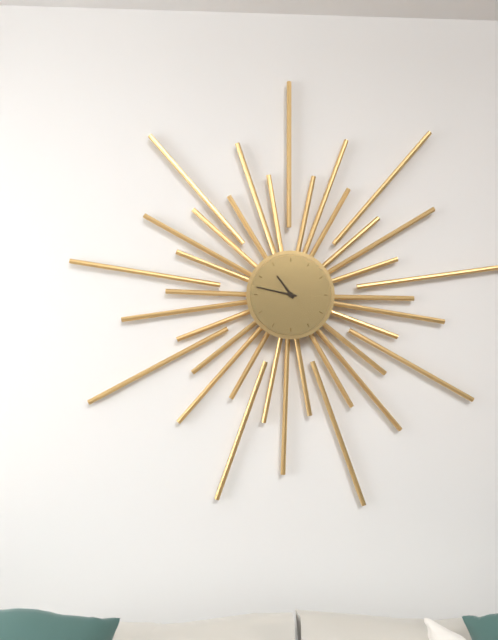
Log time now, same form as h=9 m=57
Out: h=10 m=47
